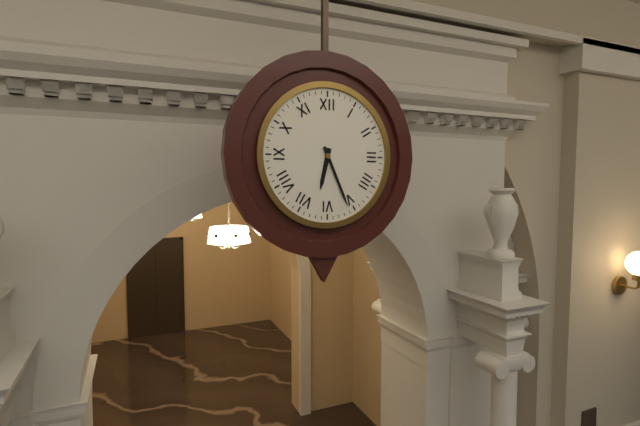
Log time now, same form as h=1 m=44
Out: h=6 m=26
